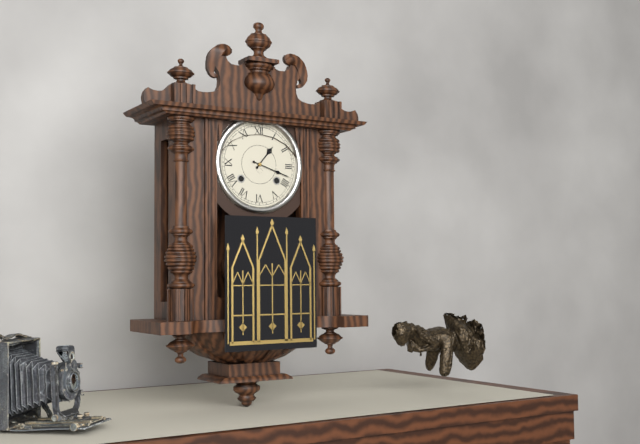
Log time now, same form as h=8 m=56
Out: h=1 m=18
